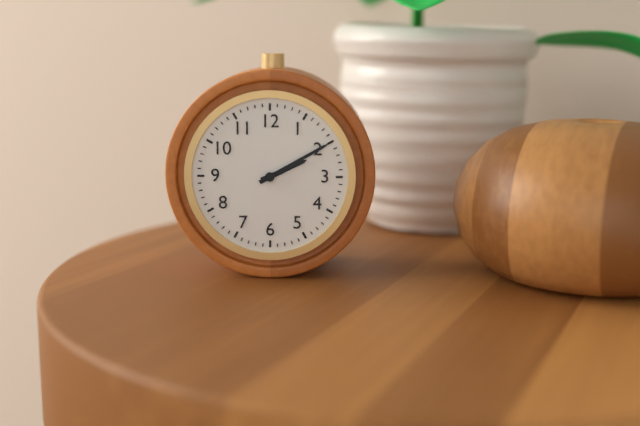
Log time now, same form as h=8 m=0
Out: h=2 m=10
